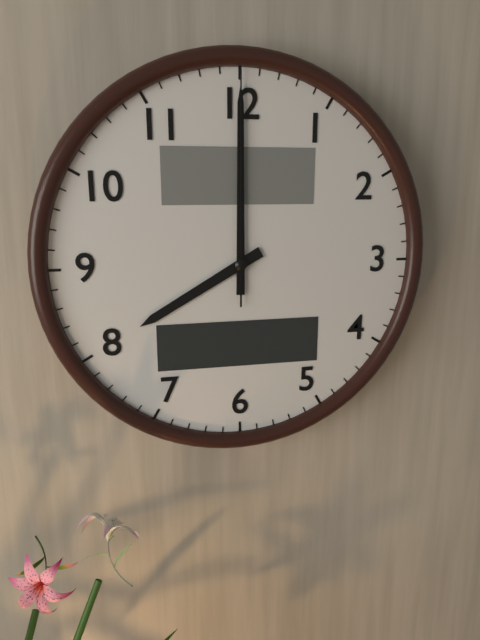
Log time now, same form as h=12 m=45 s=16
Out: h=8 m=0 s=0
